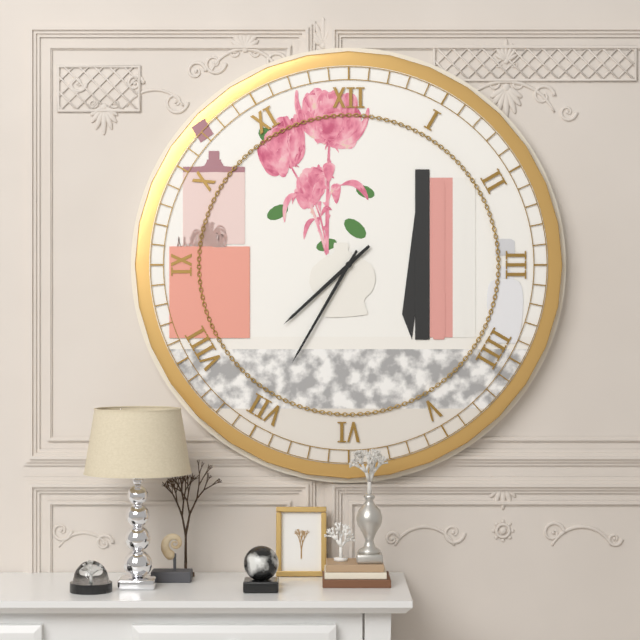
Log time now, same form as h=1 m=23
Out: h=7 m=35
